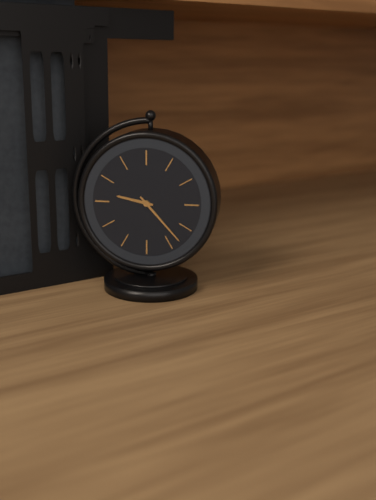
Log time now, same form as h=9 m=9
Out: h=9 m=23
